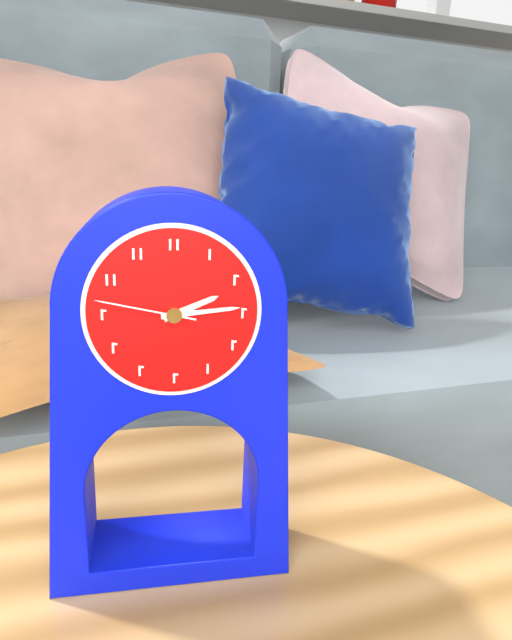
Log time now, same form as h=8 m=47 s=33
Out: h=2 m=14 s=47
